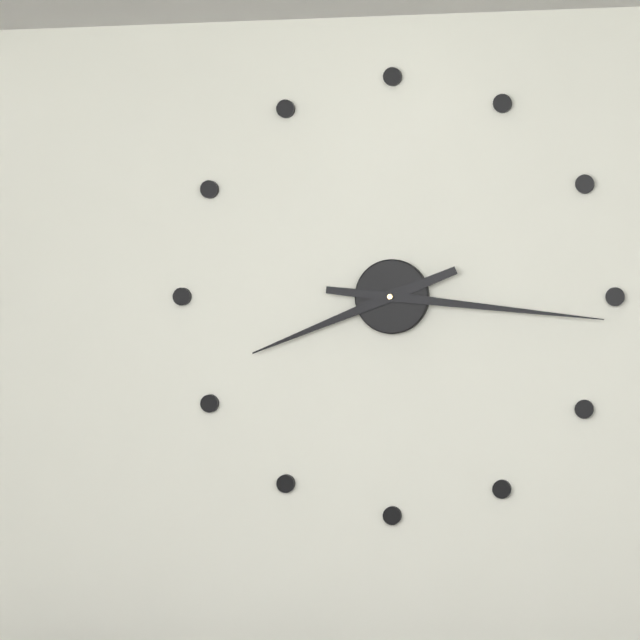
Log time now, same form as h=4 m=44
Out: h=8 m=16
